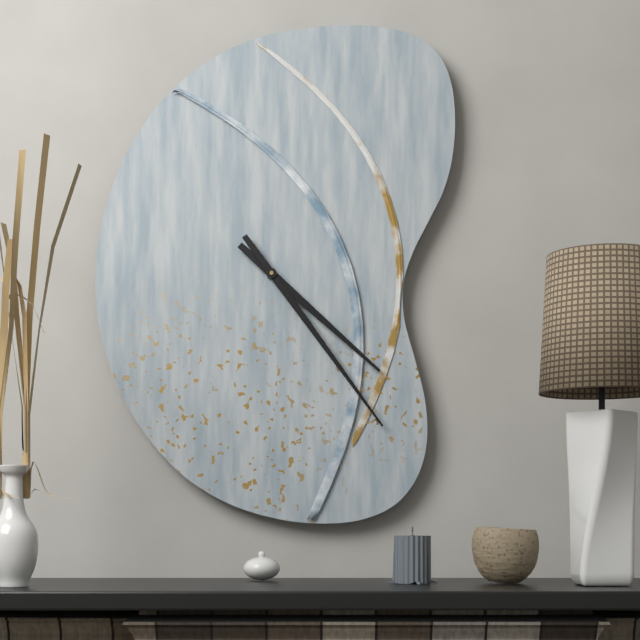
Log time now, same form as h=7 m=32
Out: h=4 m=24
